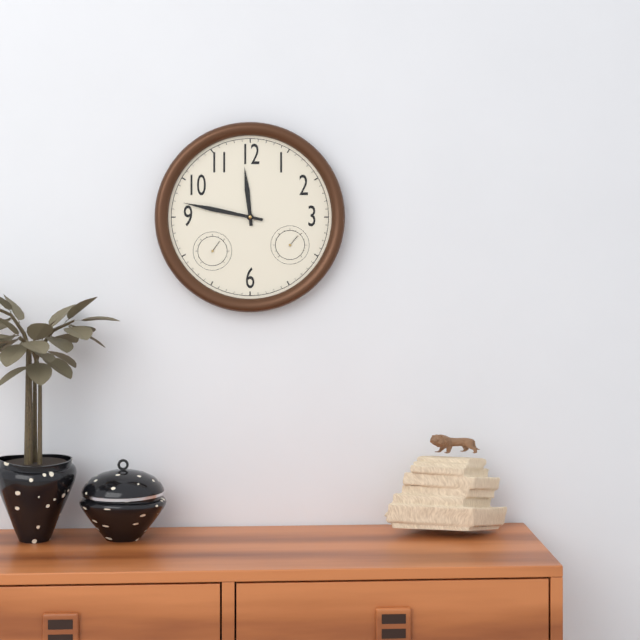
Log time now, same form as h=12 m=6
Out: h=11 m=47
